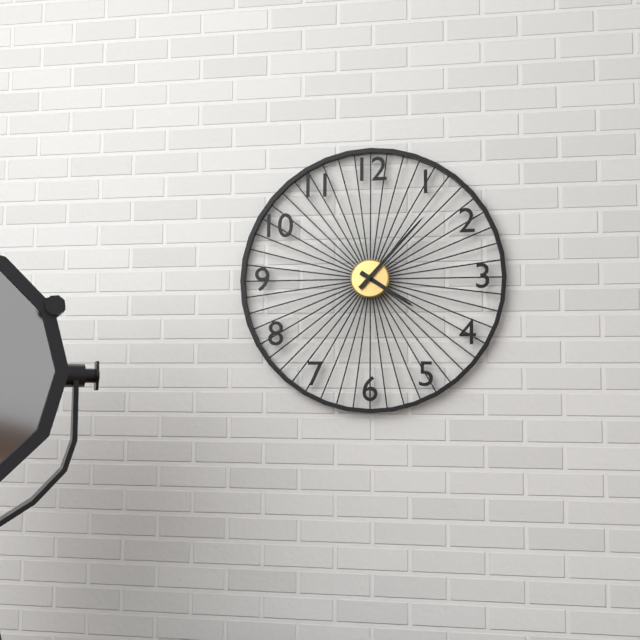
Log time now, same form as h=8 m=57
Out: h=4 m=7
